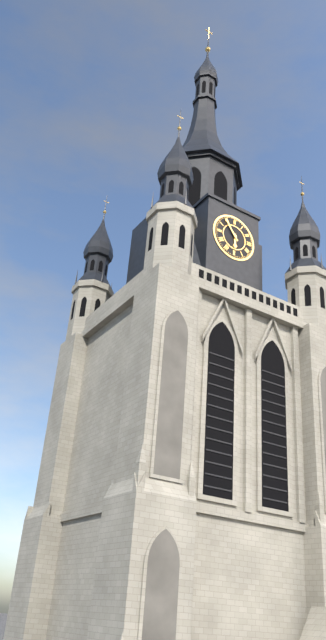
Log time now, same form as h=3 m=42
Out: h=5 m=54
